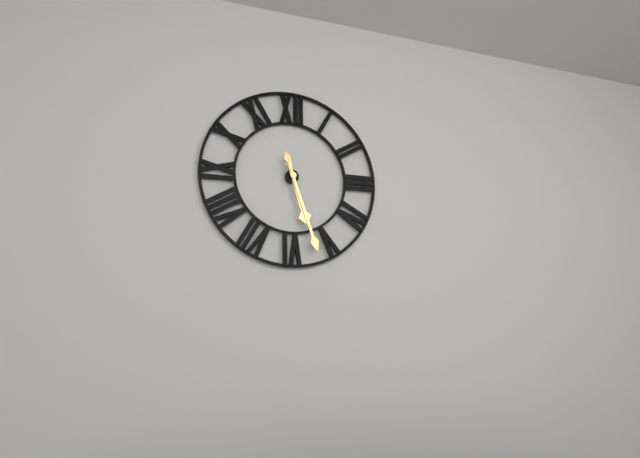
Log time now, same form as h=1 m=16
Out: h=5 m=27
